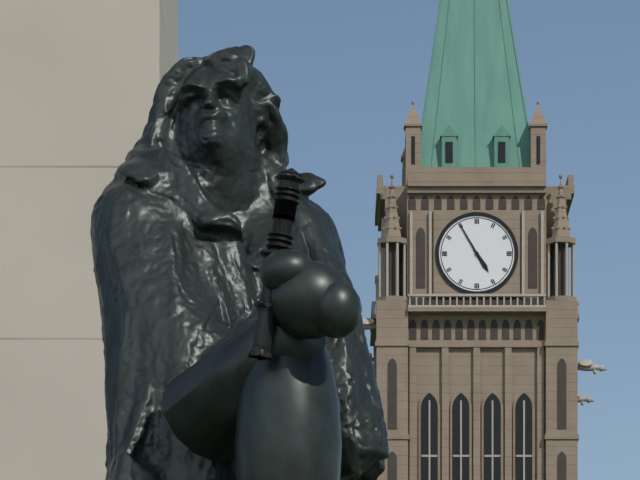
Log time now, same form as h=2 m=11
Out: h=4 m=55
